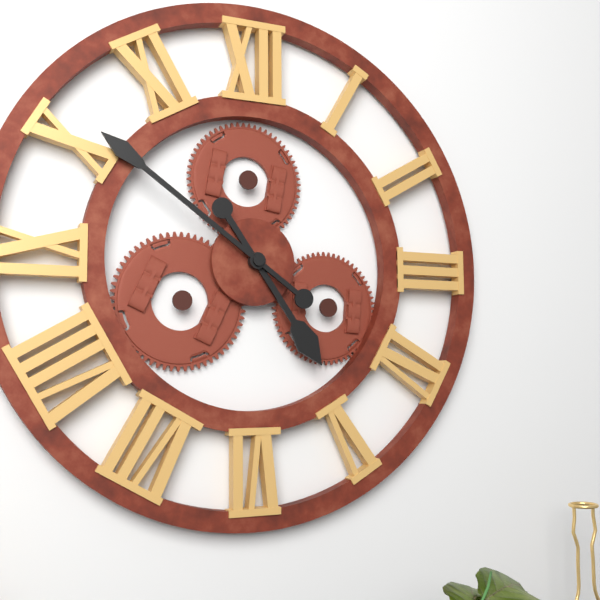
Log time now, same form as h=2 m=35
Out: h=4 m=51
